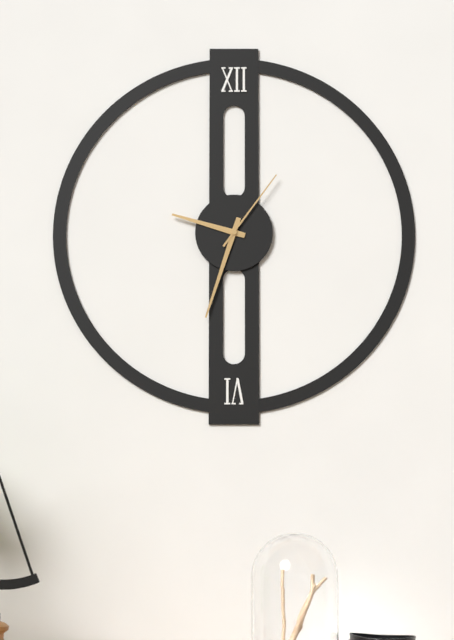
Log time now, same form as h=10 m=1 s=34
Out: h=9 m=33 s=6
